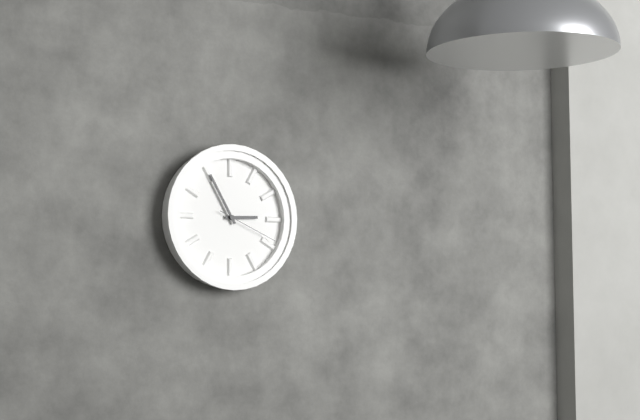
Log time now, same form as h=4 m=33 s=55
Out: h=2 m=55 s=19
